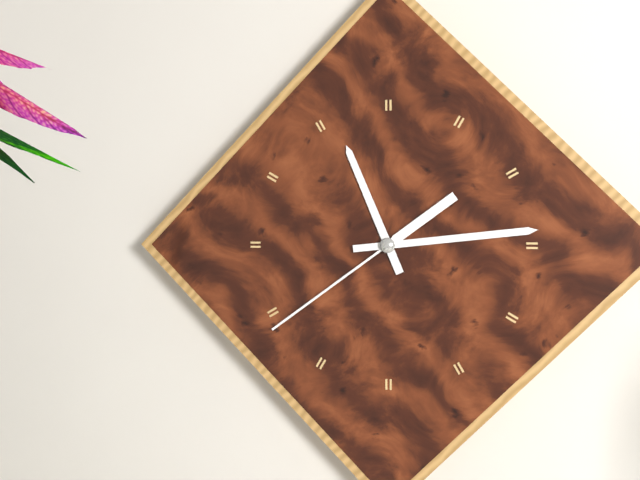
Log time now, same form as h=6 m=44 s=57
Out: h=11 m=14 s=39
